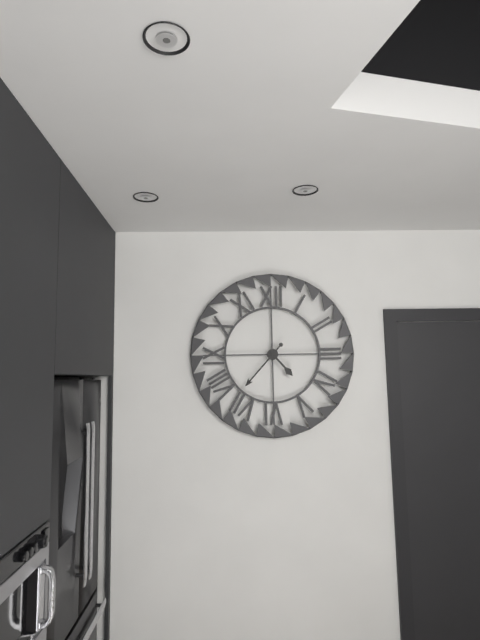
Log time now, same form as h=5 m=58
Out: h=4 m=37
